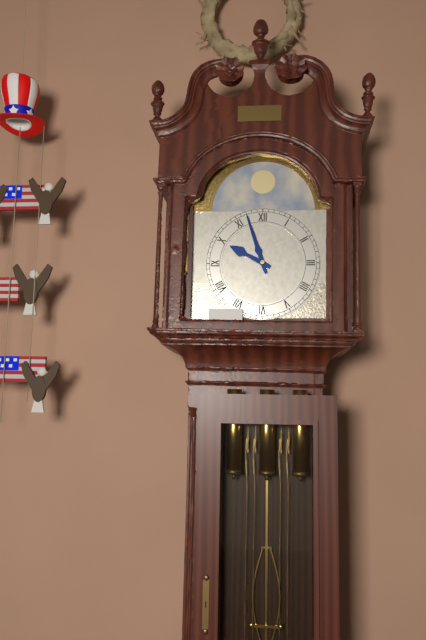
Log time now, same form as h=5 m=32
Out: h=9 m=57
